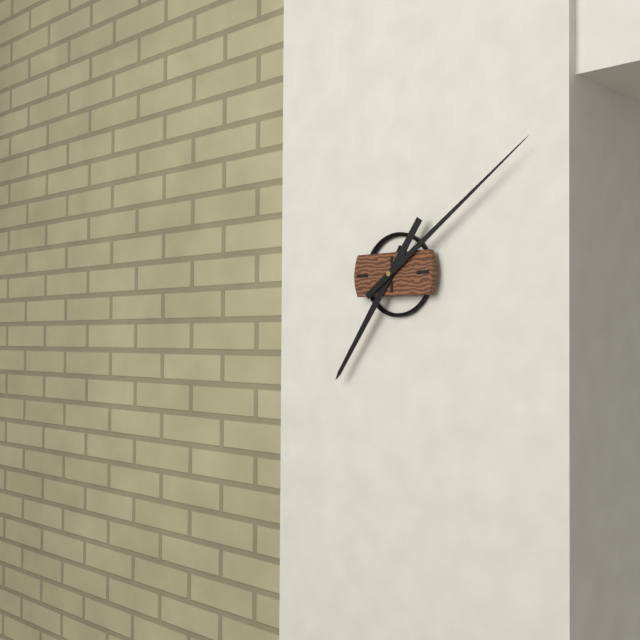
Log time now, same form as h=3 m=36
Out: h=7 m=9
